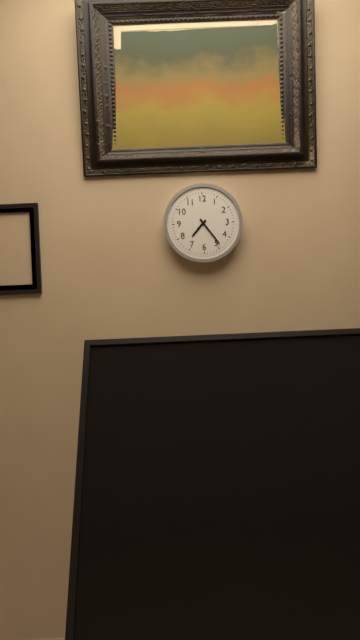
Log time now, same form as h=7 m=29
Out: h=7 m=24
